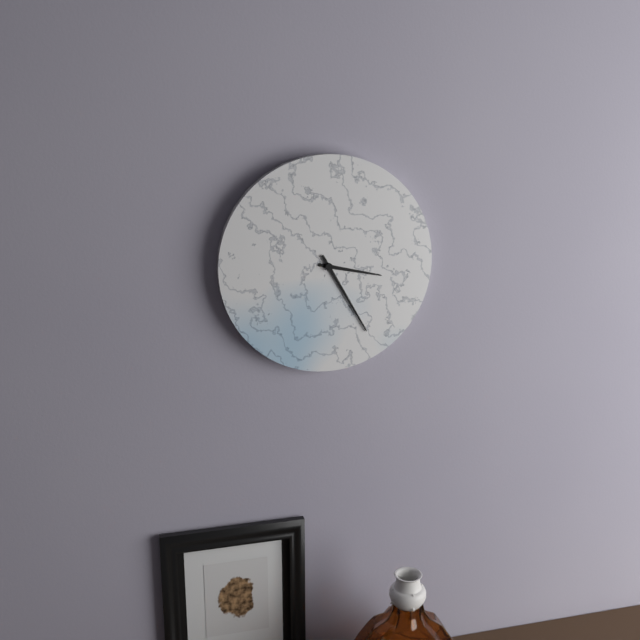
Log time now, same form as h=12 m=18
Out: h=3 m=25
